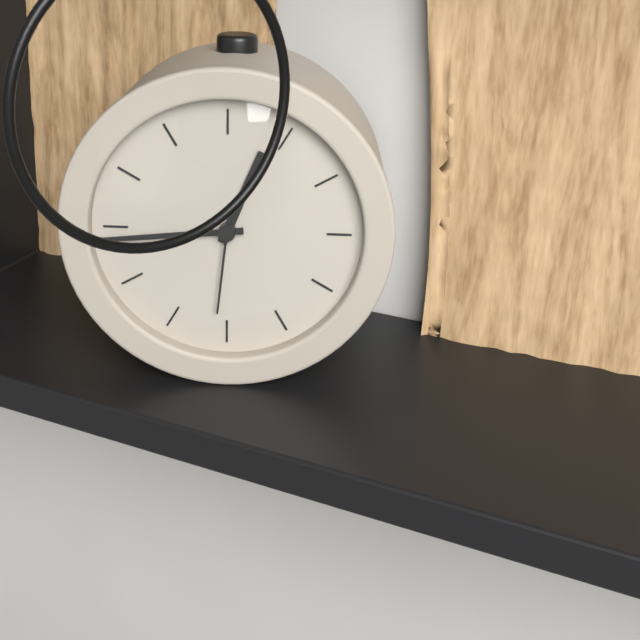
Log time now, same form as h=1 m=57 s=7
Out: h=12 m=44 s=31
